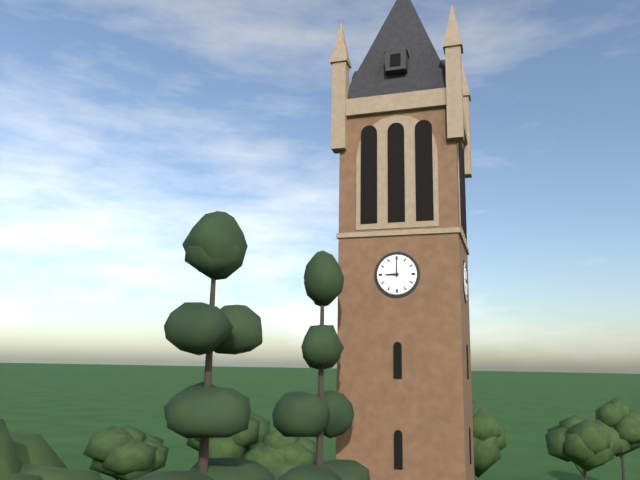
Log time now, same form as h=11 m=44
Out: h=9 m=0
